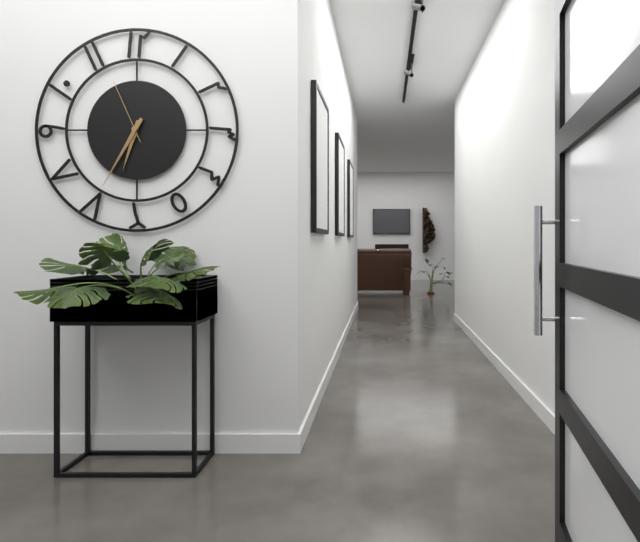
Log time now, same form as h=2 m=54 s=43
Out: h=6 m=35 s=56
